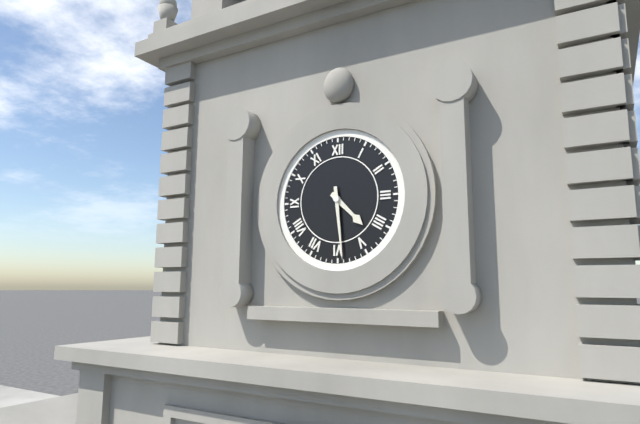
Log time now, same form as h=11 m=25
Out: h=4 m=29
